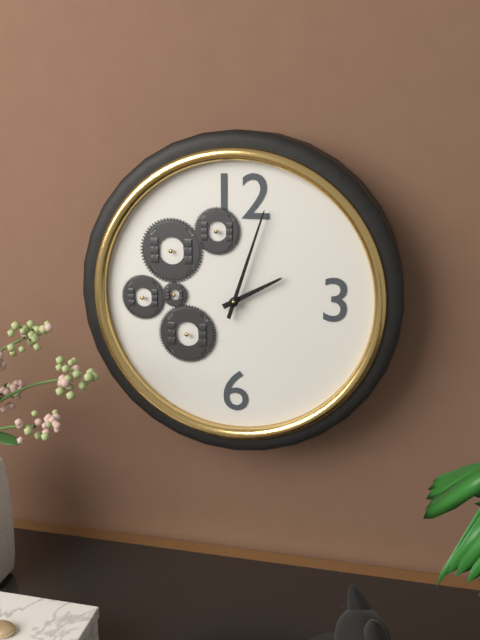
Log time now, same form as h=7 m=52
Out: h=2 m=3
